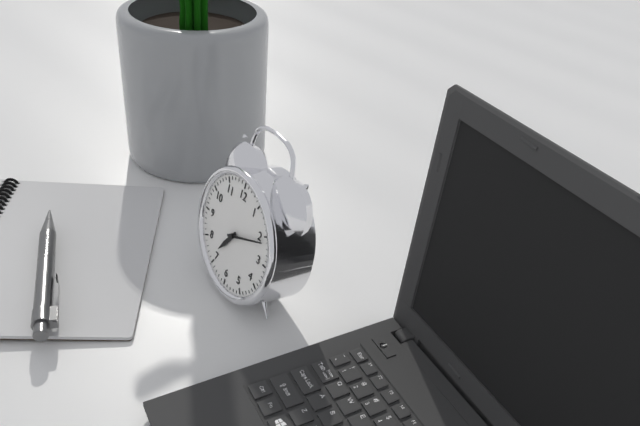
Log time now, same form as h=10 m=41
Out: h=7 m=11
